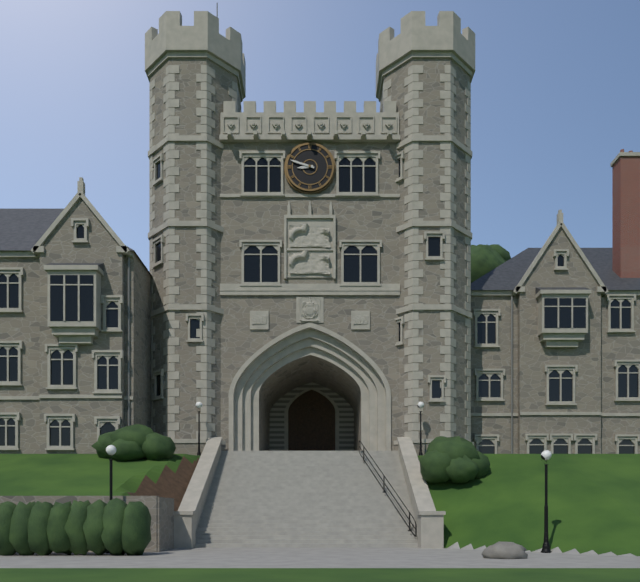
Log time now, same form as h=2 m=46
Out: h=8 m=48
